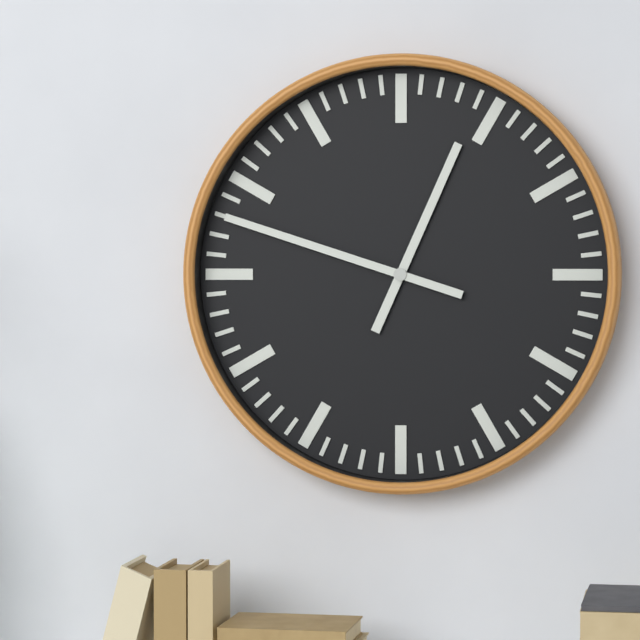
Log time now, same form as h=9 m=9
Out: h=12 m=48
